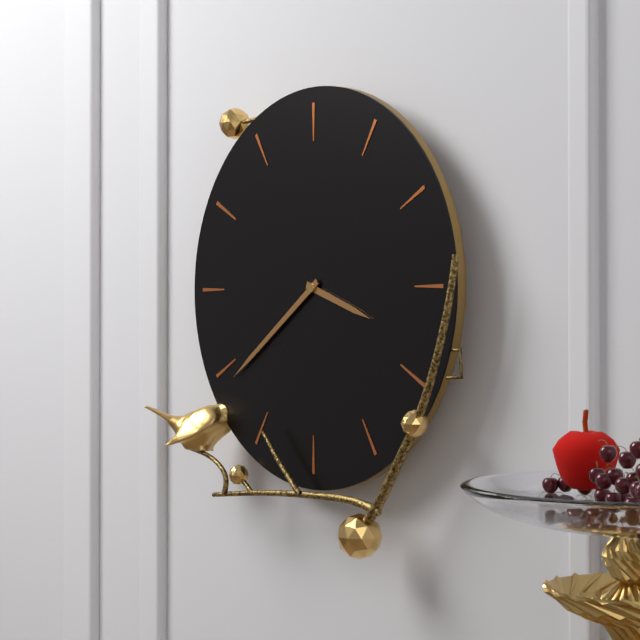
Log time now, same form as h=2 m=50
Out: h=3 m=39
